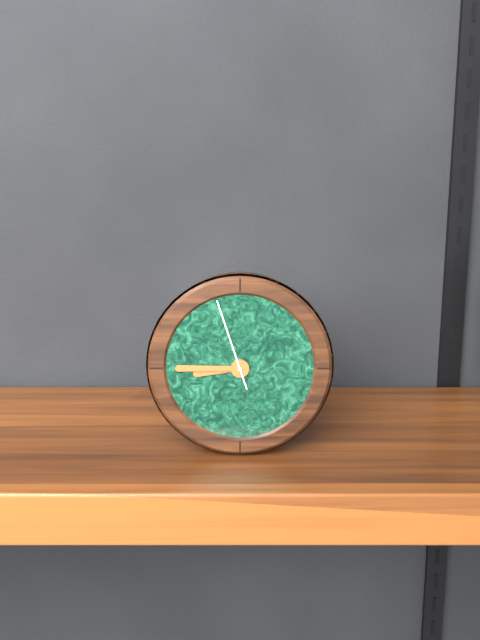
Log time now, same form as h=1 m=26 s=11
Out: h=8 m=45 s=57
